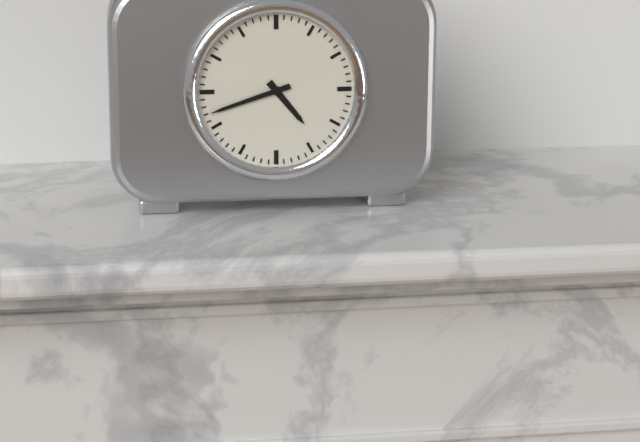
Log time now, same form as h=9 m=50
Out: h=4 m=42
